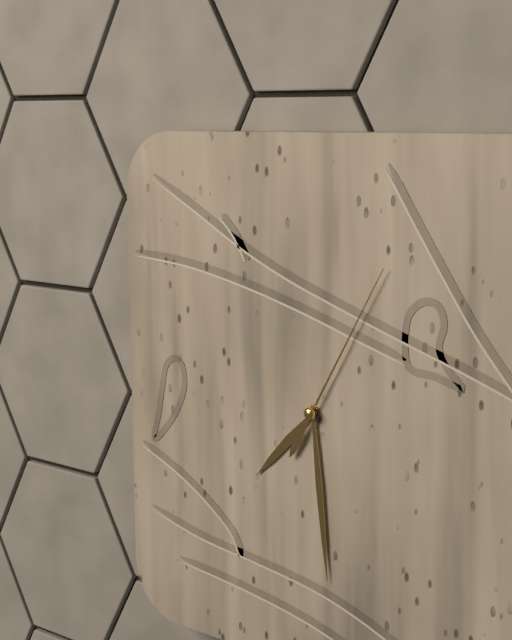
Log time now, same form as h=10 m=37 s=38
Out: h=7 m=29 s=5
